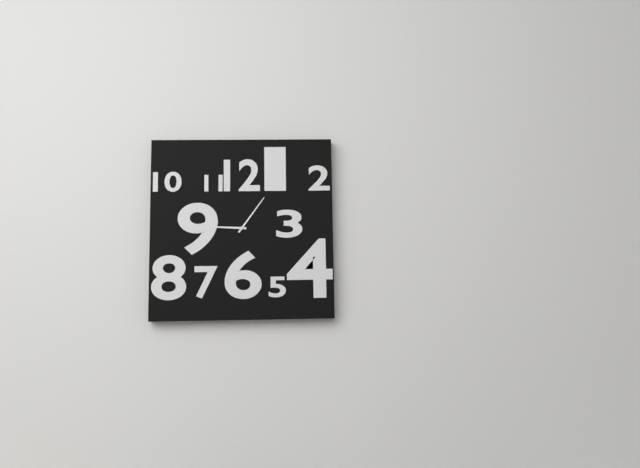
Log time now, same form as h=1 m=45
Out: h=9 m=6
